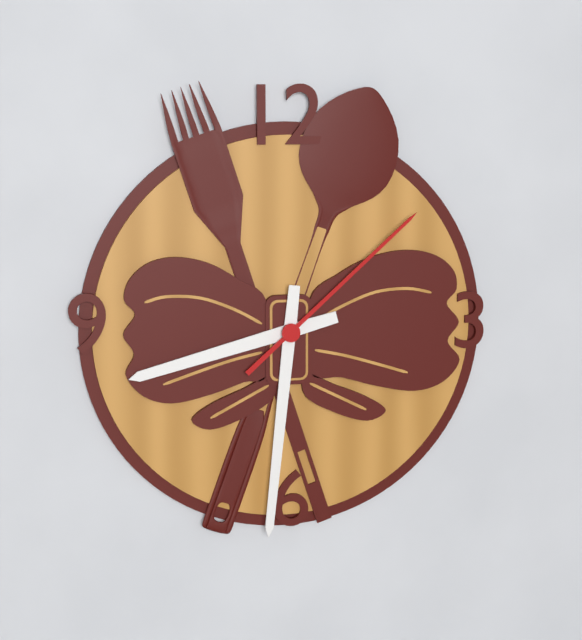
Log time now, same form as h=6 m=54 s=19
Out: h=8 m=31 s=8
